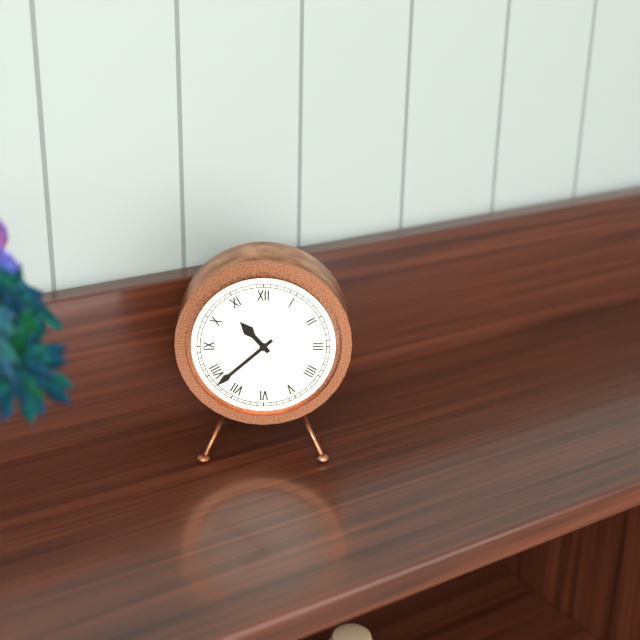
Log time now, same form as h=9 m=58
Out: h=10 m=38
